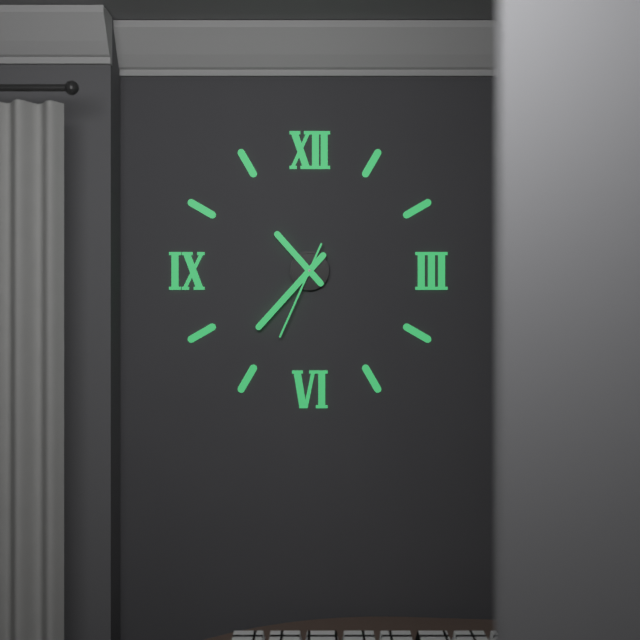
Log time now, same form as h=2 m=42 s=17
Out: h=10 m=37 s=34
